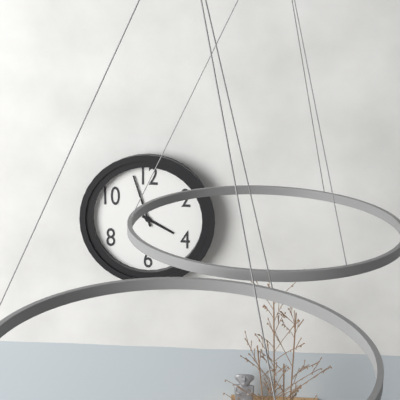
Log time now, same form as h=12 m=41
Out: h=3 m=57
